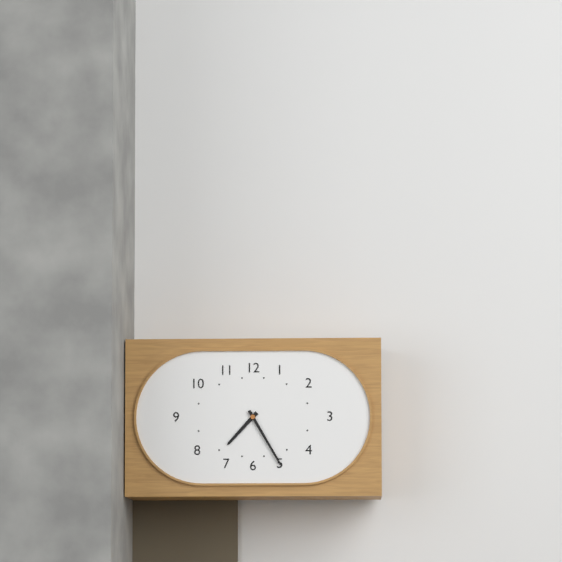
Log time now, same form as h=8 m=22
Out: h=7 m=25
